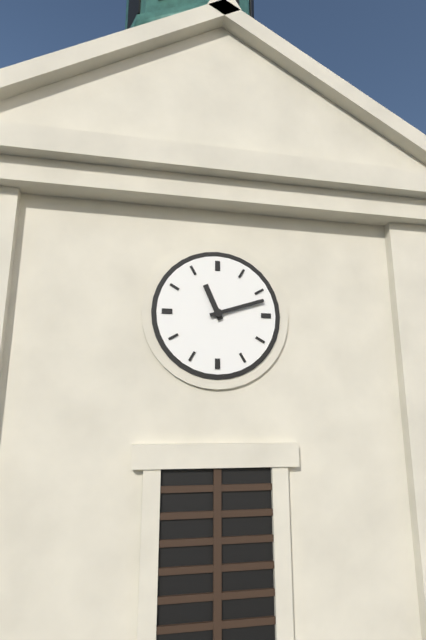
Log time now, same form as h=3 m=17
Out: h=11 m=12
